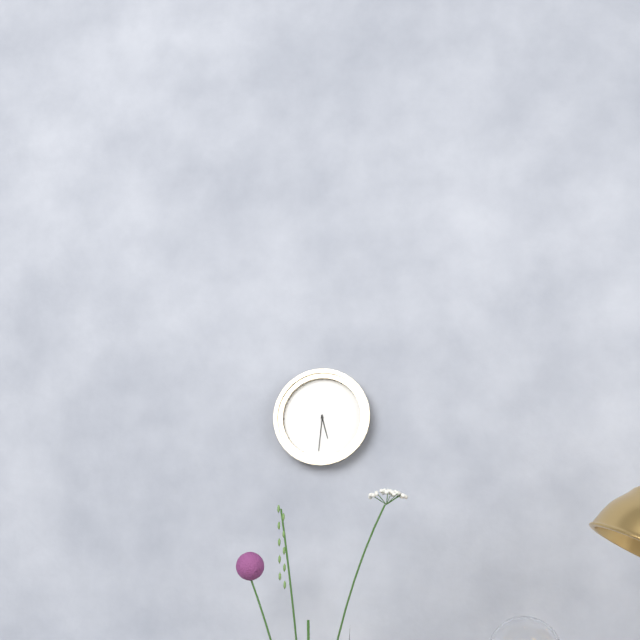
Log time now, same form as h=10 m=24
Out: h=5 m=31
